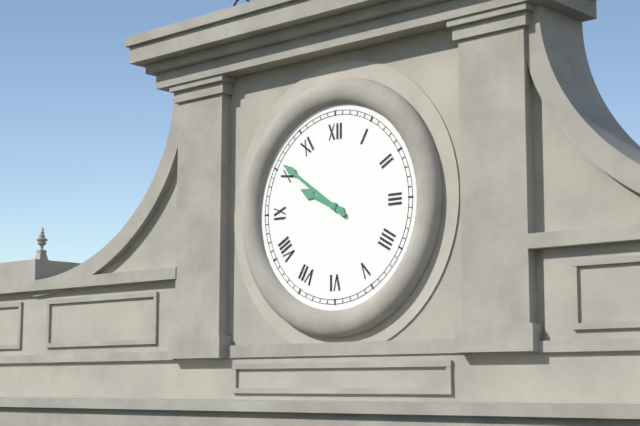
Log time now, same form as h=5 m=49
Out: h=9 m=51
